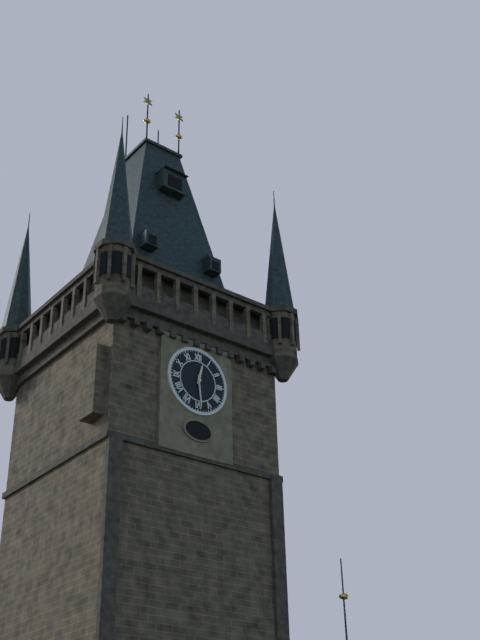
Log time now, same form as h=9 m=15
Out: h=12 m=29
